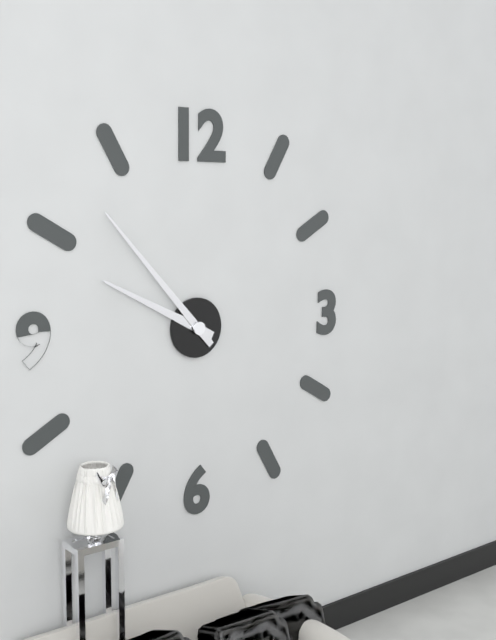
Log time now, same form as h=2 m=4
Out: h=9 m=53
